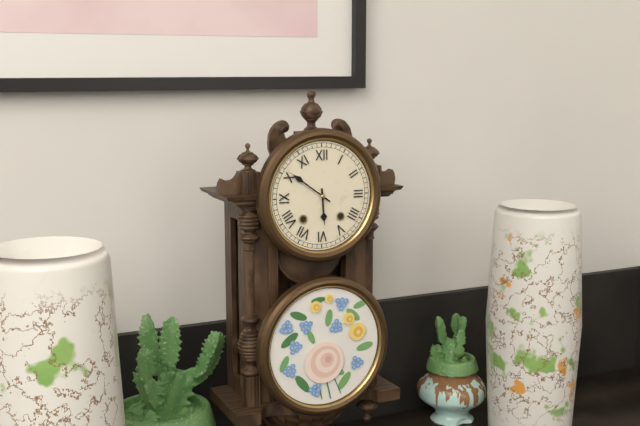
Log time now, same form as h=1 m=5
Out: h=5 m=51
